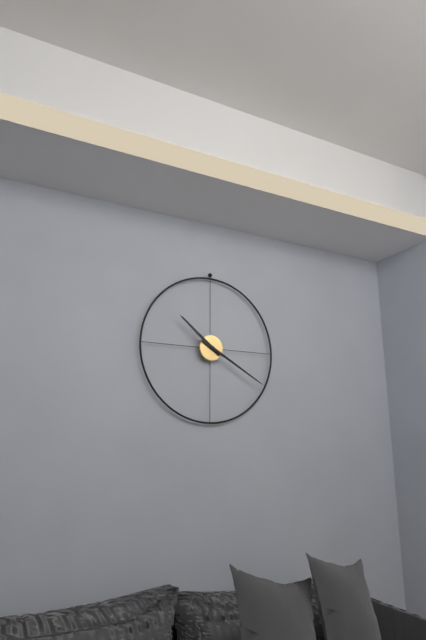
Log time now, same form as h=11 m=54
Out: h=10 m=20
